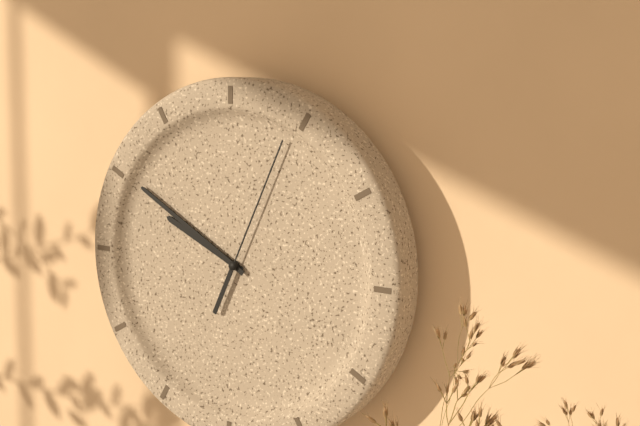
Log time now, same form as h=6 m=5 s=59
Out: h=9 m=50 s=4
